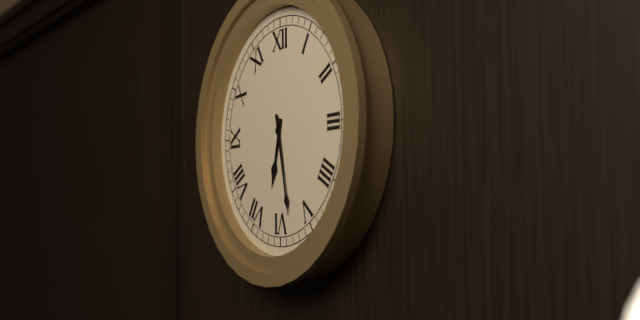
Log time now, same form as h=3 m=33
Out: h=6 m=28
